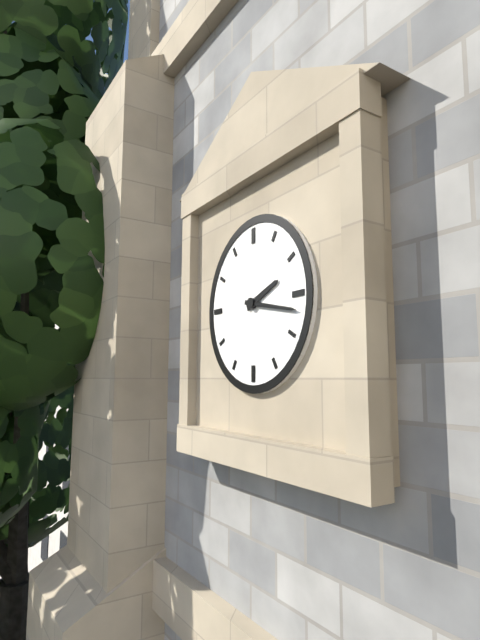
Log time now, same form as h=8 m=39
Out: h=2 m=17
